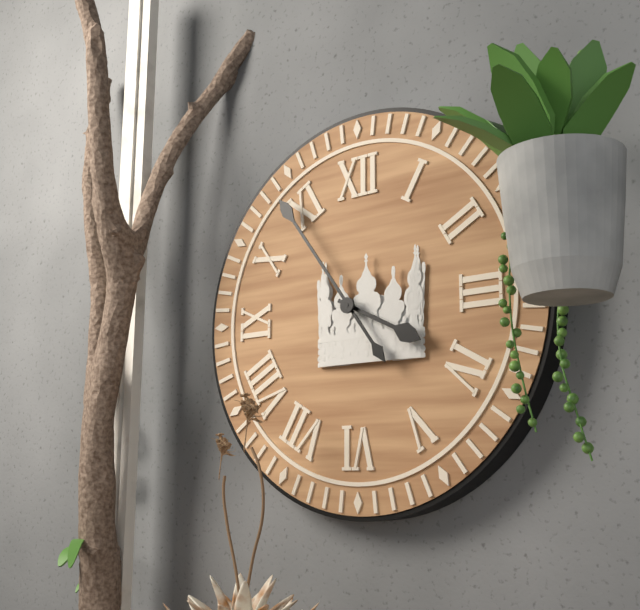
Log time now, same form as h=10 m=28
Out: h=3 m=54
